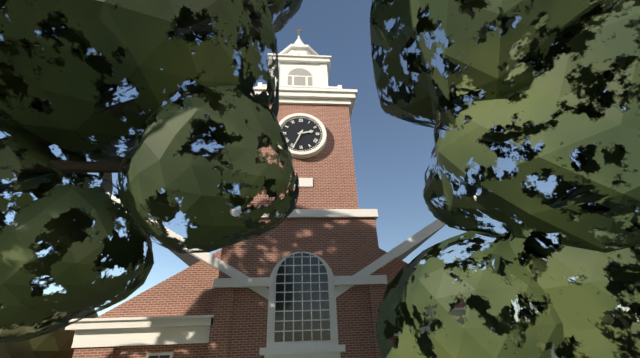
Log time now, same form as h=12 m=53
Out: h=2 m=34
